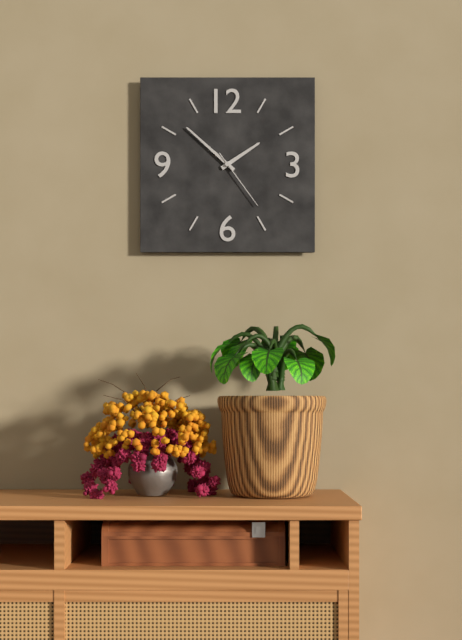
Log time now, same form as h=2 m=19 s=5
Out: h=1 m=52 s=24
